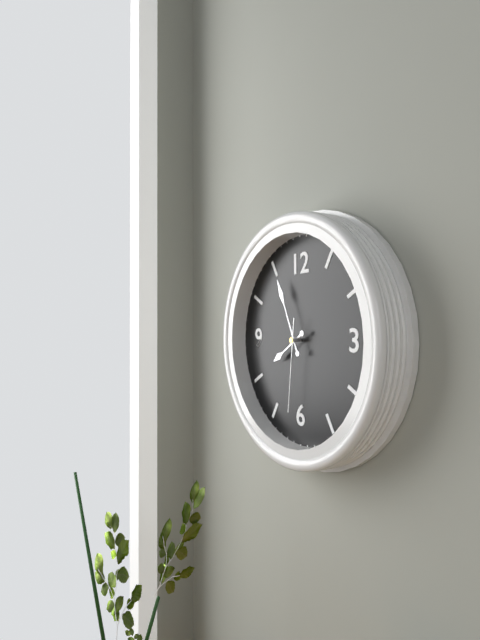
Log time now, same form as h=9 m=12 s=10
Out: h=7 m=56 s=31
